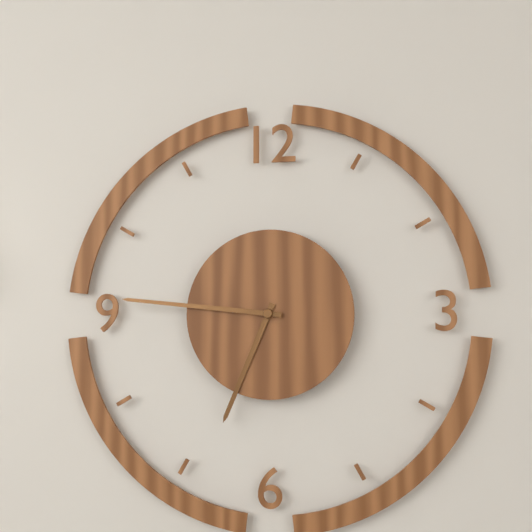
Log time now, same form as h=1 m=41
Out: h=6 m=46
